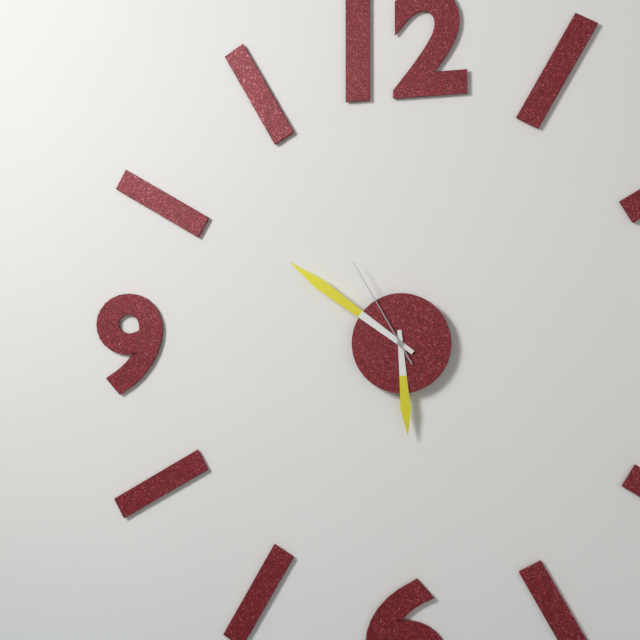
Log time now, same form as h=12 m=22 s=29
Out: h=5 m=51 s=55
